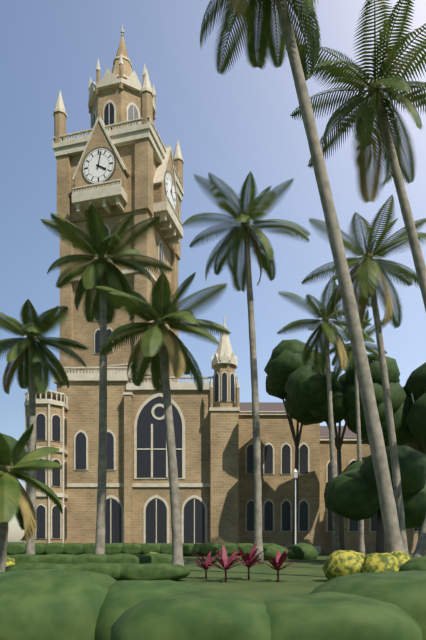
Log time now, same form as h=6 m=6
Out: h=4 m=2
